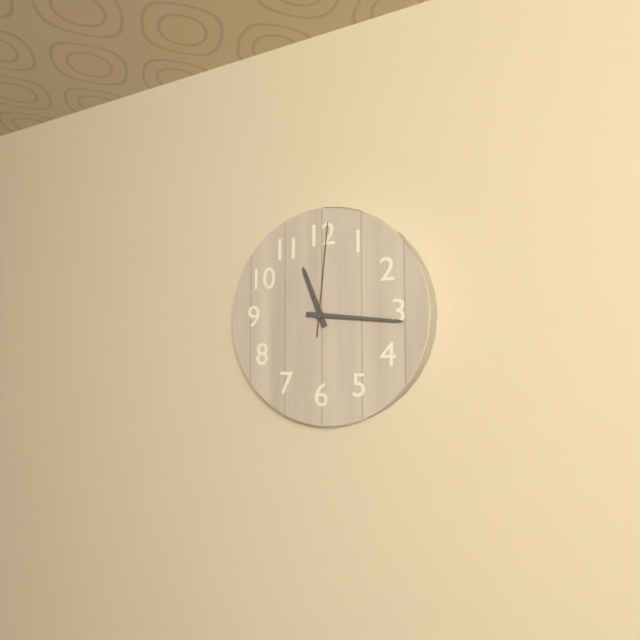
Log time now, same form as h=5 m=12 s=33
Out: h=11 m=16 s=1
